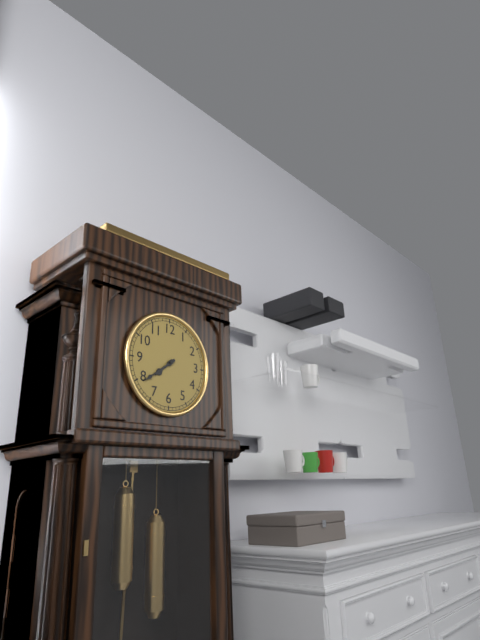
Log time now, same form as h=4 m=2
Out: h=7 m=39
